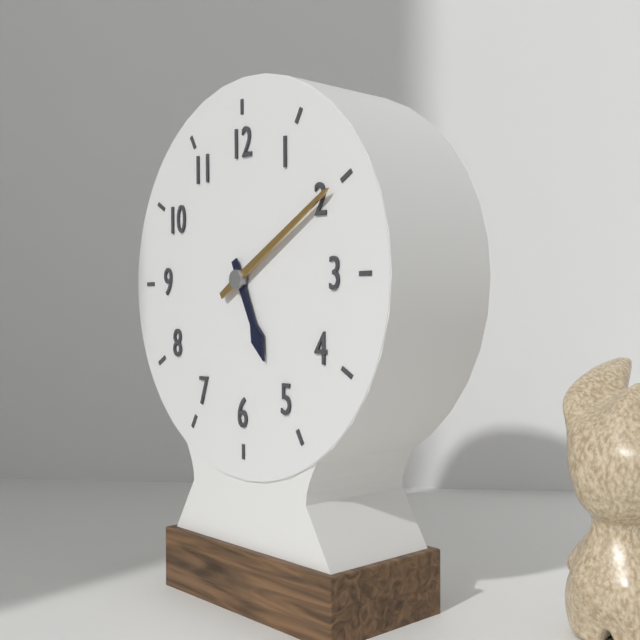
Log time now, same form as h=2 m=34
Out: h=5 m=10
